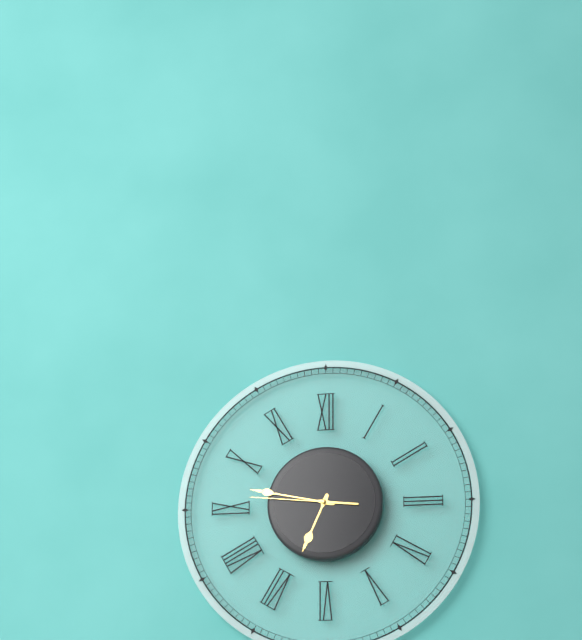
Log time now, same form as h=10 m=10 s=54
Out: h=6 m=47 s=46
